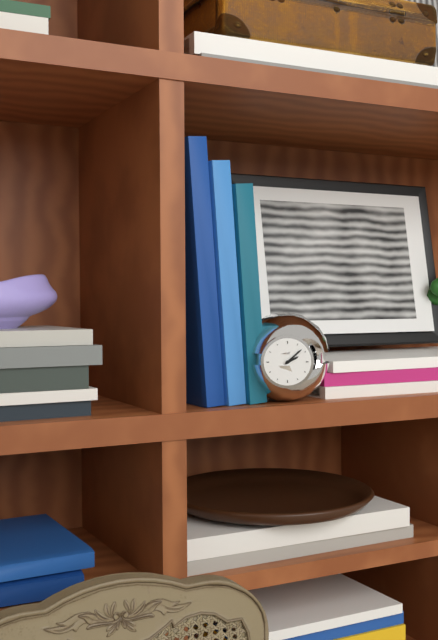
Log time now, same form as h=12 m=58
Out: h=2 m=8
